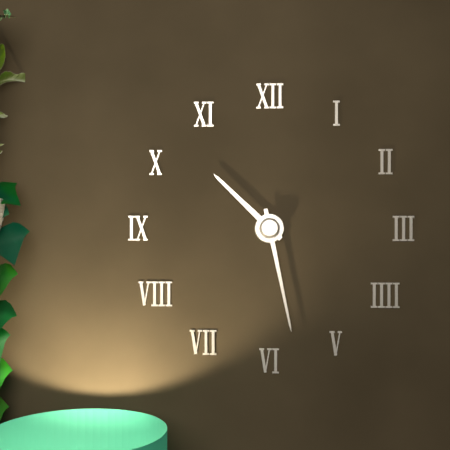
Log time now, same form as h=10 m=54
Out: h=10 m=28
